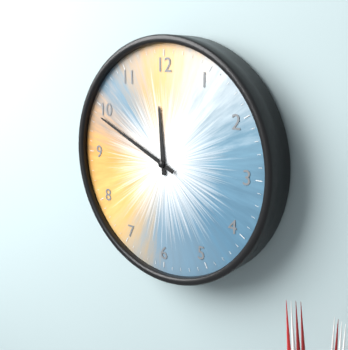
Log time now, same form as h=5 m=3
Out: h=11 m=49
